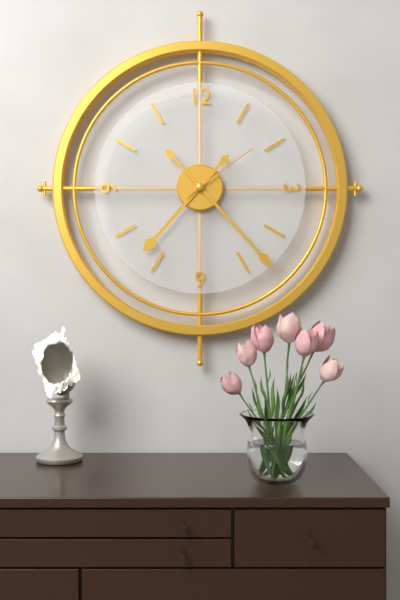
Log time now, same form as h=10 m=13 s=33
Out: h=7 m=23 s=9
